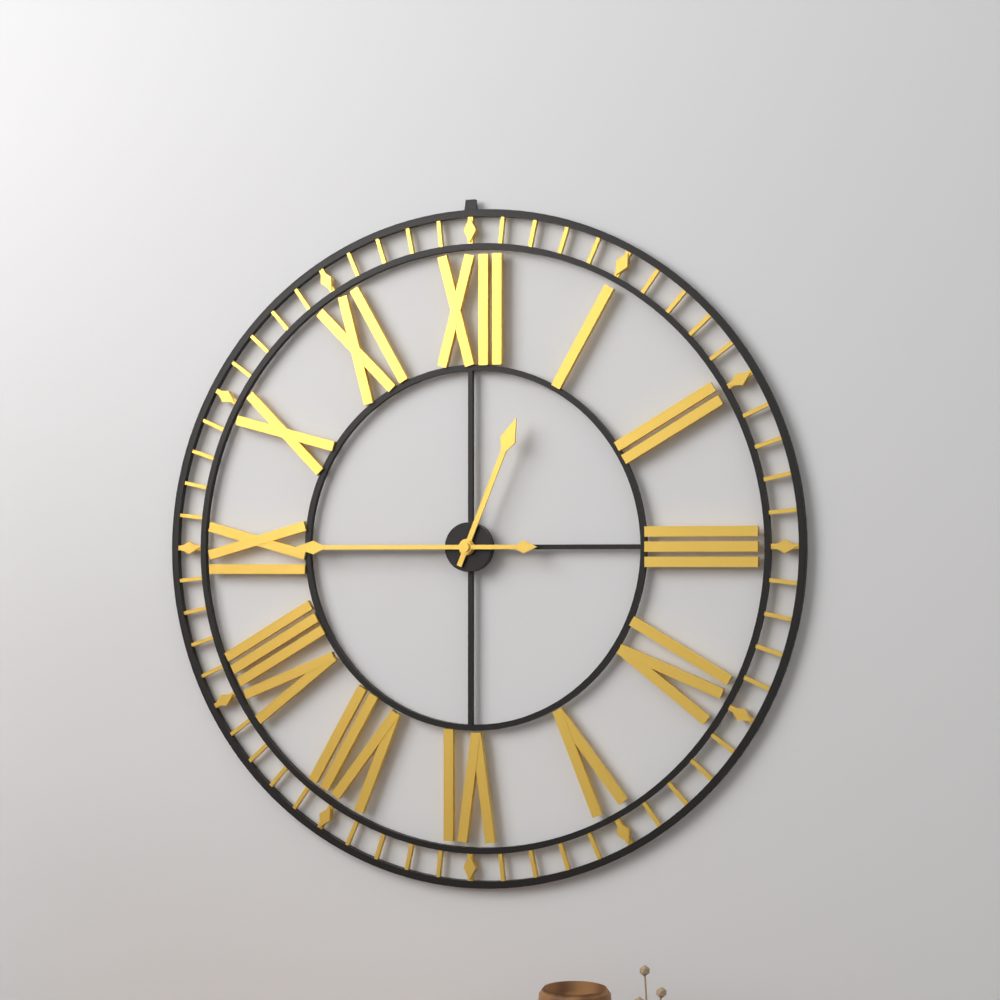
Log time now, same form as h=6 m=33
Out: h=12 m=45
